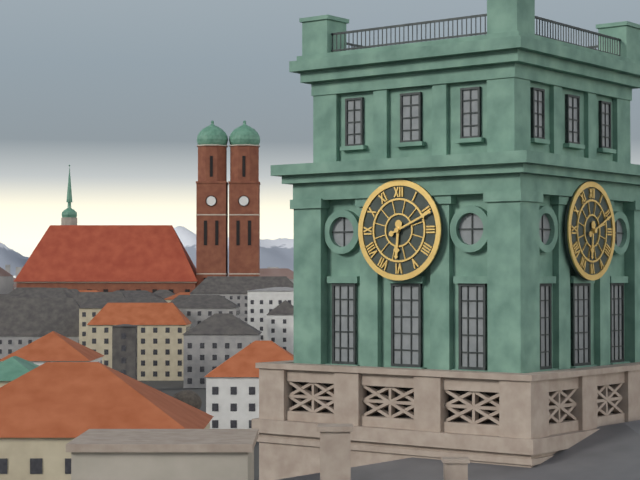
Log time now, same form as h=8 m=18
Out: h=6 m=11
